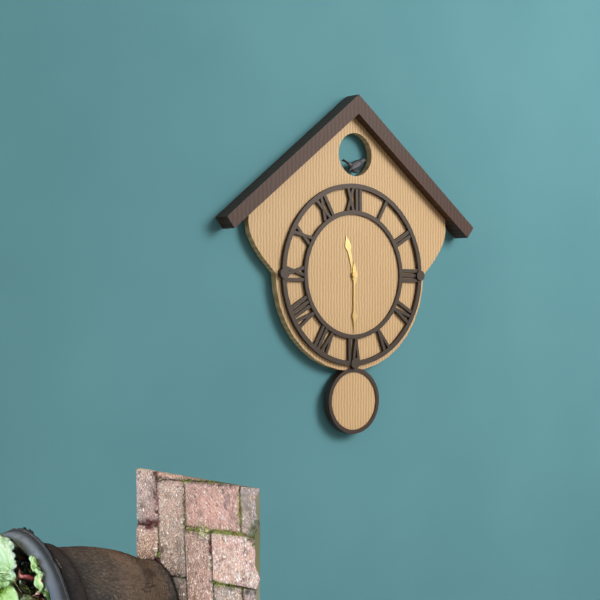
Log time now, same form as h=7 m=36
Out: h=11 m=30
